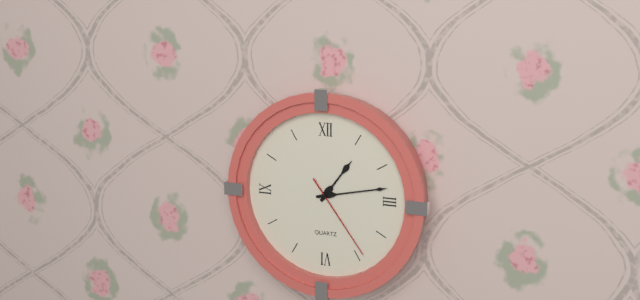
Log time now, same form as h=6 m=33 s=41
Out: h=1 m=13 s=24
